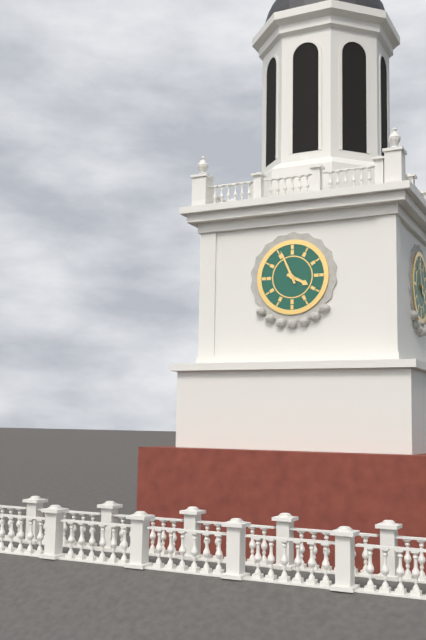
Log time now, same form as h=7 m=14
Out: h=3 m=56
